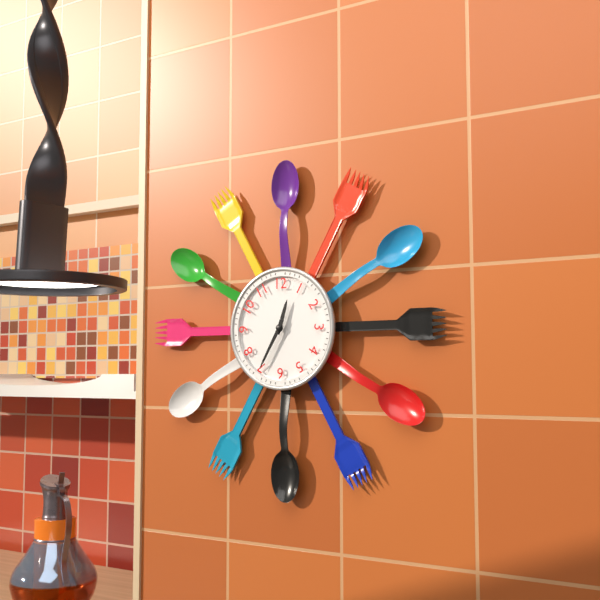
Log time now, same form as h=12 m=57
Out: h=12 m=35
